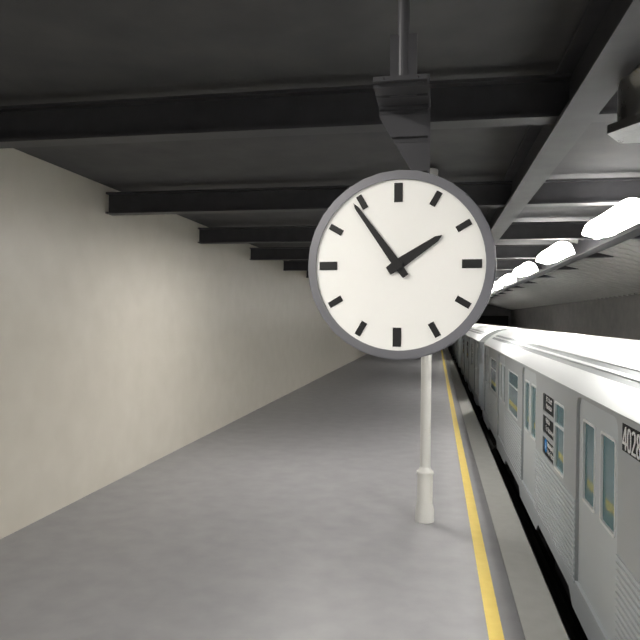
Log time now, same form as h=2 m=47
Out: h=1 m=54
